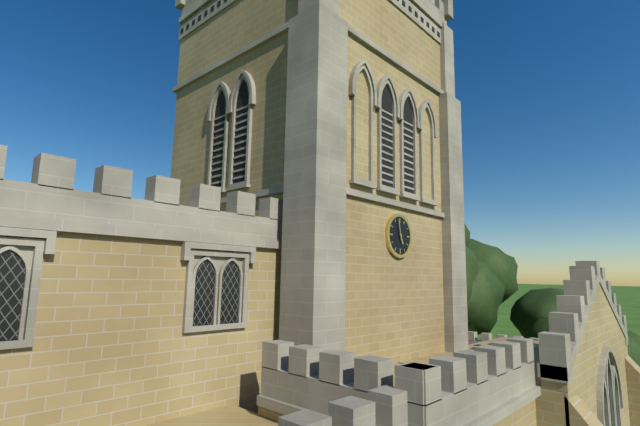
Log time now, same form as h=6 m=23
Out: h=4 m=58
